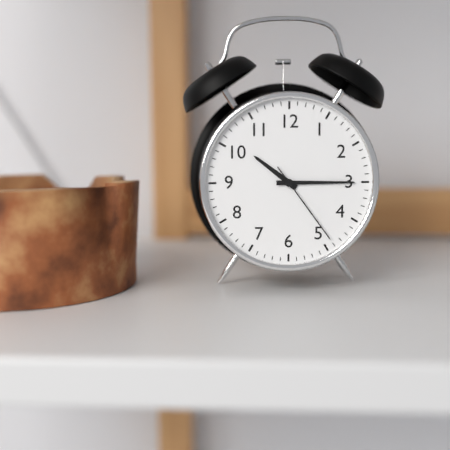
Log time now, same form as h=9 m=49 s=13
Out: h=10 m=15 s=24
